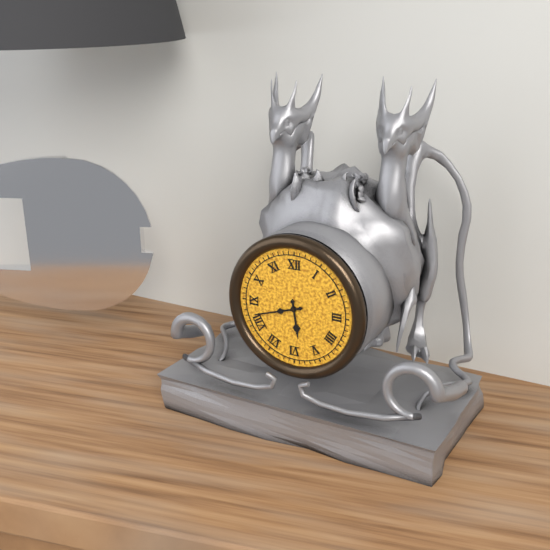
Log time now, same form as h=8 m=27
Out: h=5 m=42
